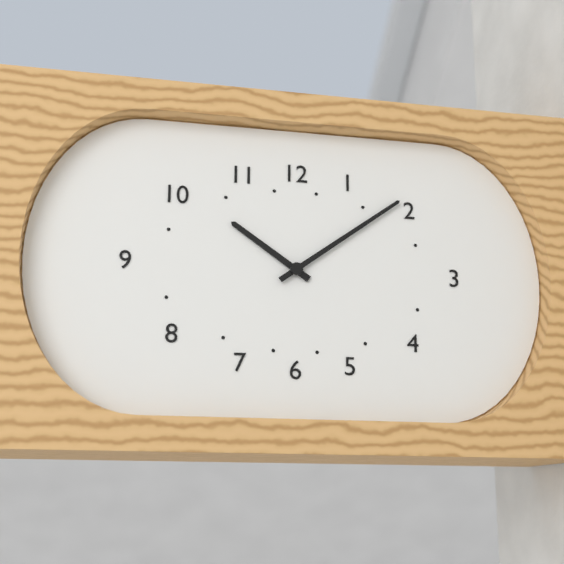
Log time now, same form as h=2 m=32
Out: h=10 m=9
